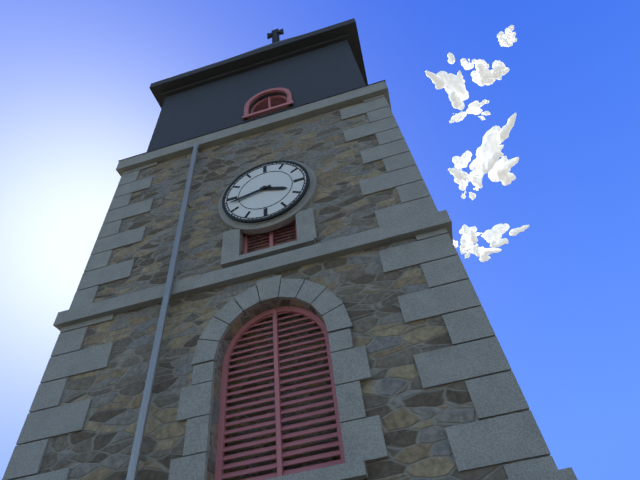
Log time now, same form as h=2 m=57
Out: h=3 m=43
